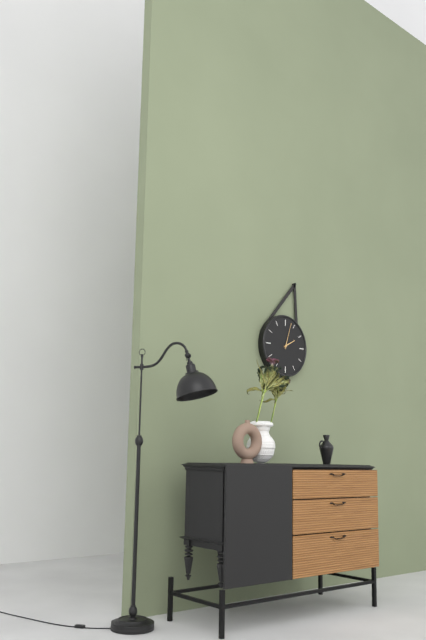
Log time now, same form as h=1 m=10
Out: h=2 m=3
